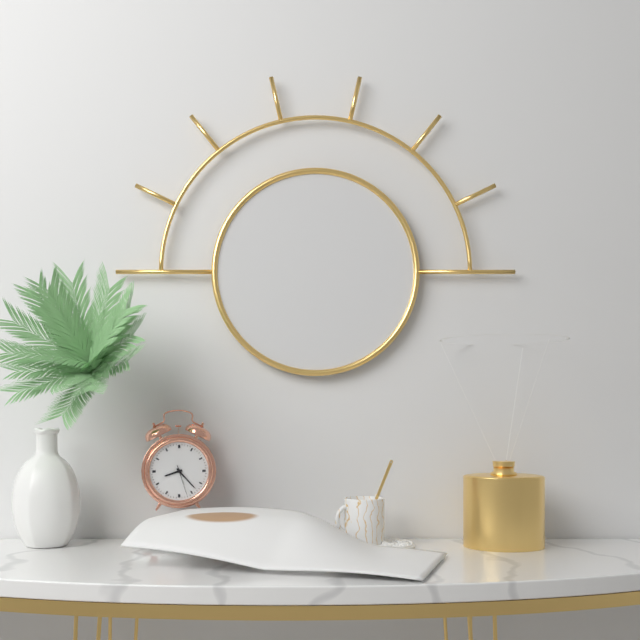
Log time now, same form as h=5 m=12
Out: h=8 m=23
